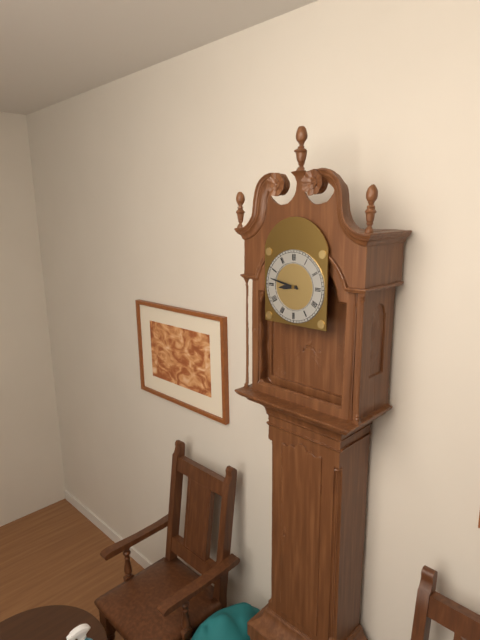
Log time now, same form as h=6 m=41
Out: h=8 m=47
